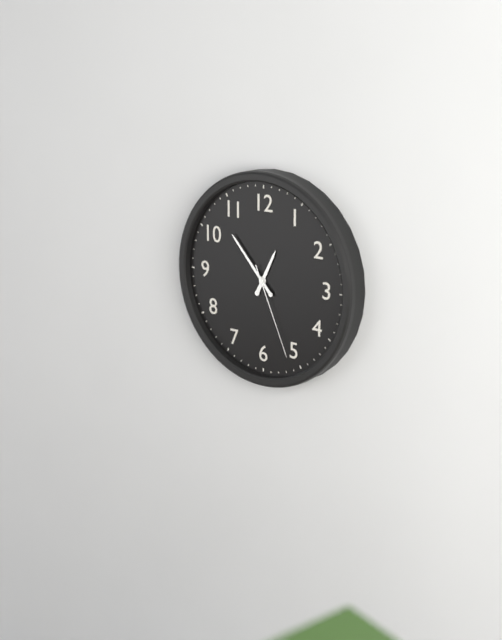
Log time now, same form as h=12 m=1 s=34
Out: h=12 m=53 s=26
